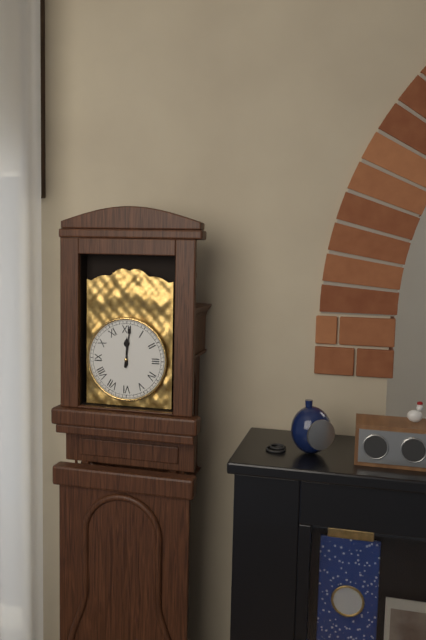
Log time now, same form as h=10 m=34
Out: h=12 m=1
